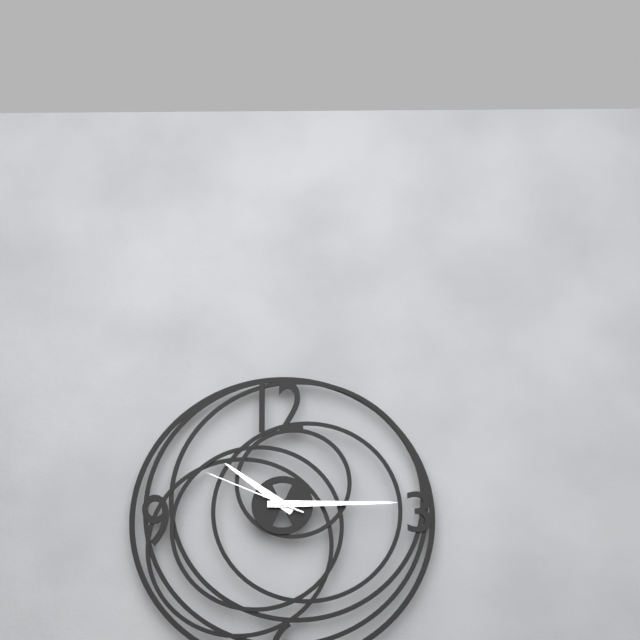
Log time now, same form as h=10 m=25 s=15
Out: h=10 m=15 s=49
